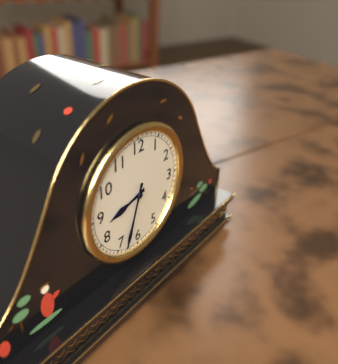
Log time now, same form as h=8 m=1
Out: h=8 m=33
